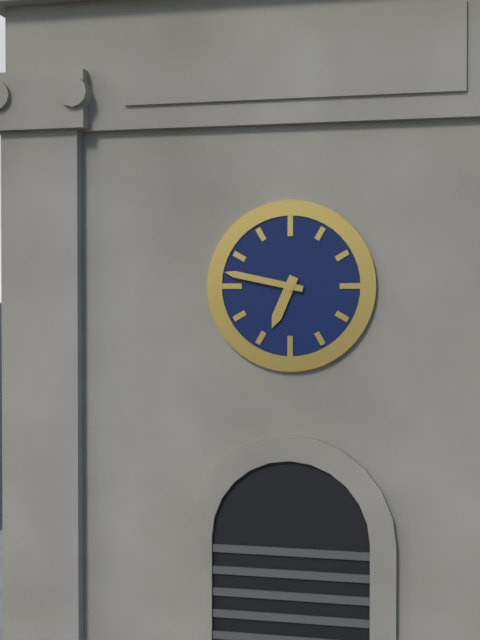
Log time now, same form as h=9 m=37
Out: h=6 m=47
